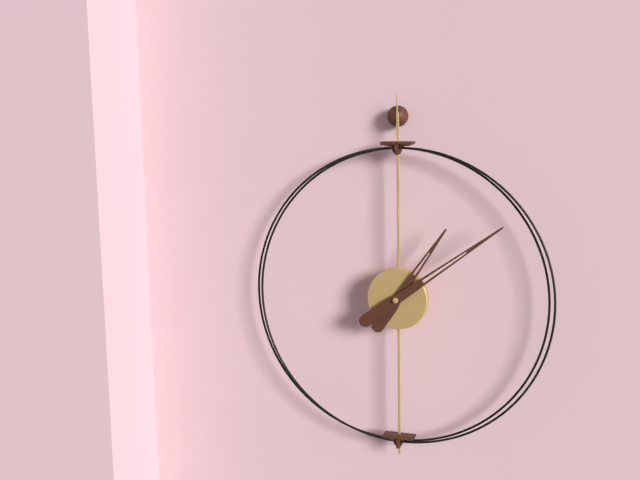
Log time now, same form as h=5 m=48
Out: h=1 m=9
